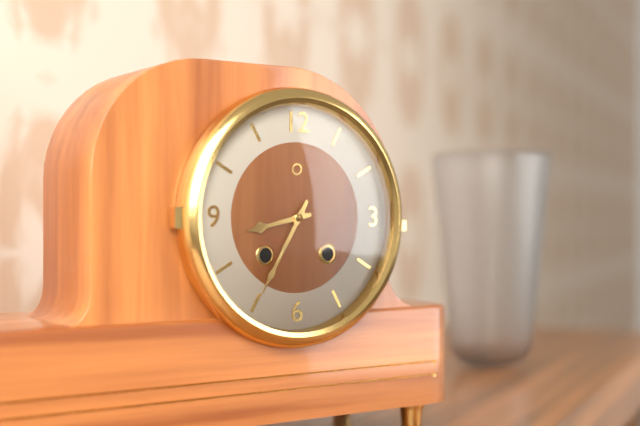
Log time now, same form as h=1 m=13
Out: h=8 m=35
